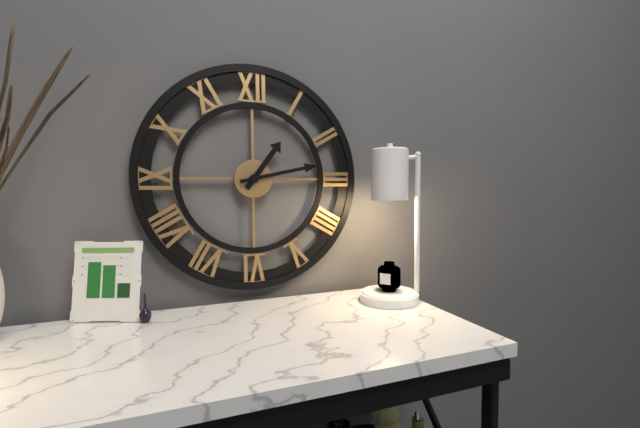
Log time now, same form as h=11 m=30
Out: h=1 m=13
